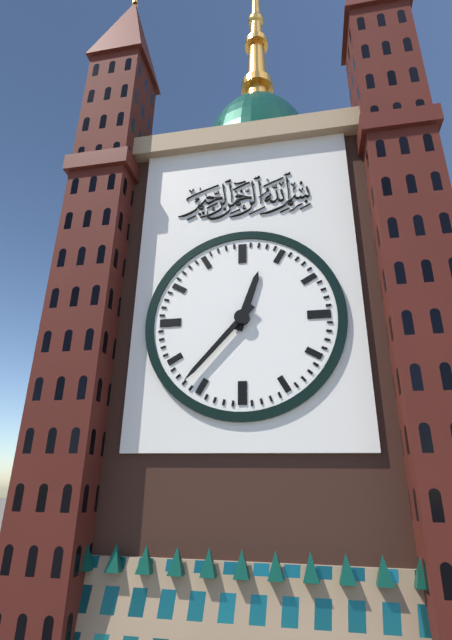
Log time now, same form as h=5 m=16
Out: h=12 m=37
